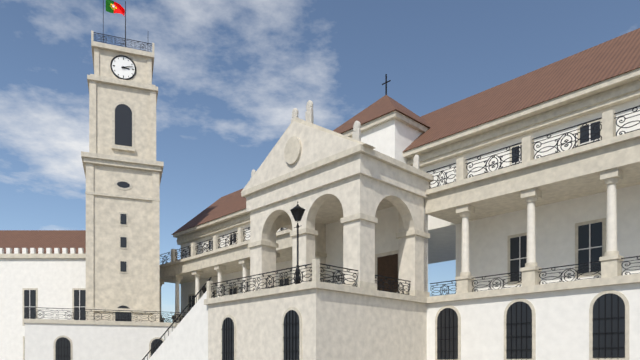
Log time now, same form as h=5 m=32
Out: h=3 m=12
